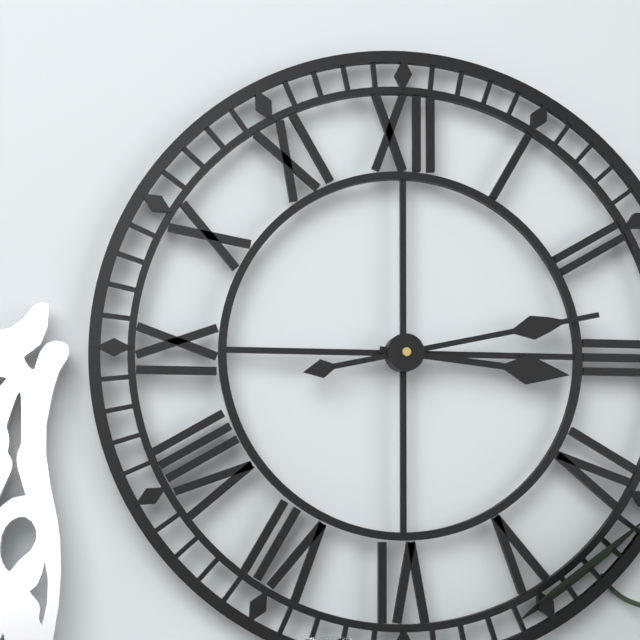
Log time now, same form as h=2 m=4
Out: h=3 m=13
